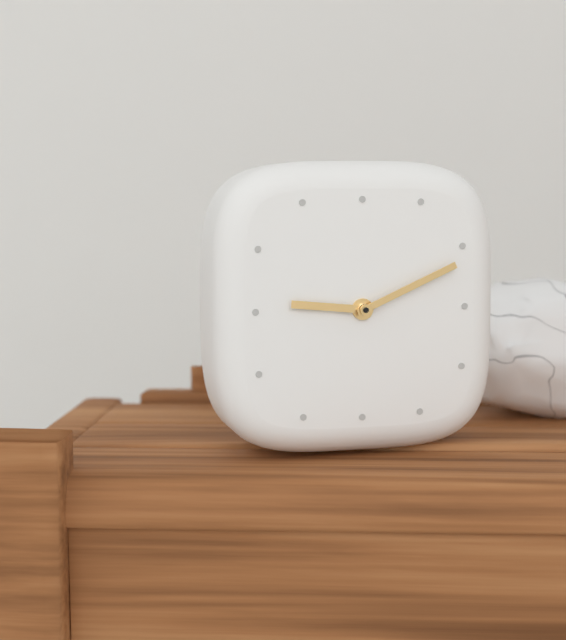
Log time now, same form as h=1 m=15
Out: h=9 m=11
